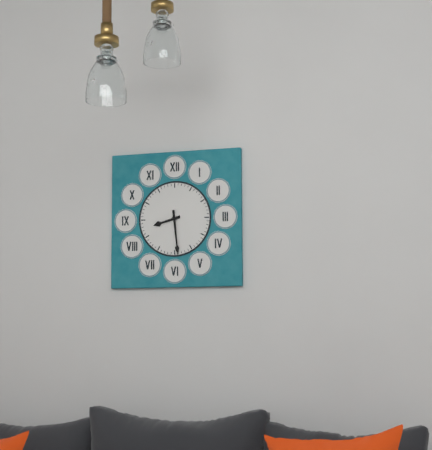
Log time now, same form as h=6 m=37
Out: h=8 m=29
